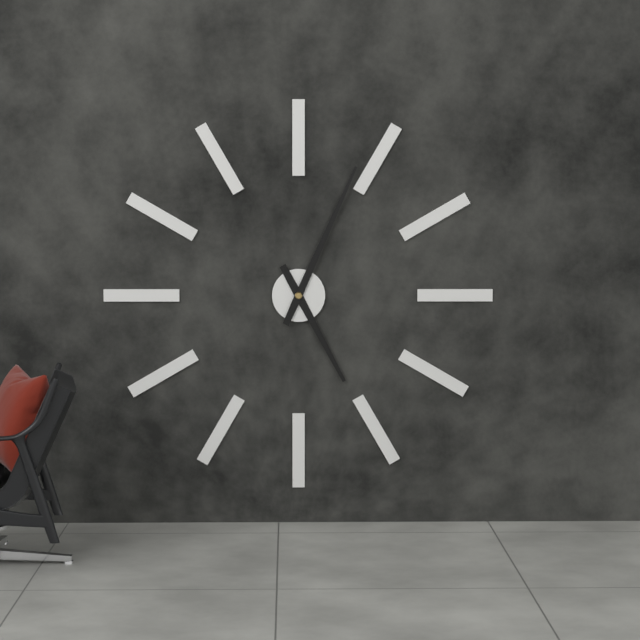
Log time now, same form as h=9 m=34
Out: h=5 m=4
